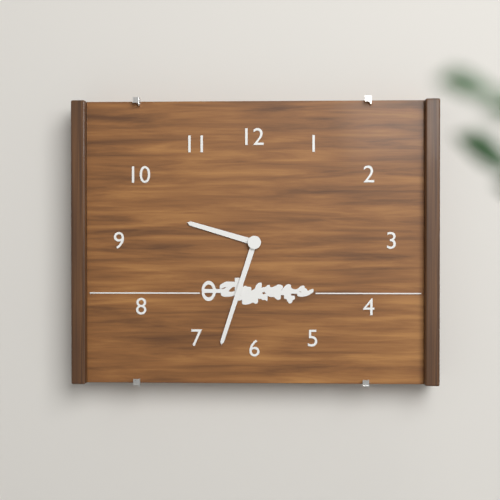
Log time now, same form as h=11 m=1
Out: h=9 m=33
